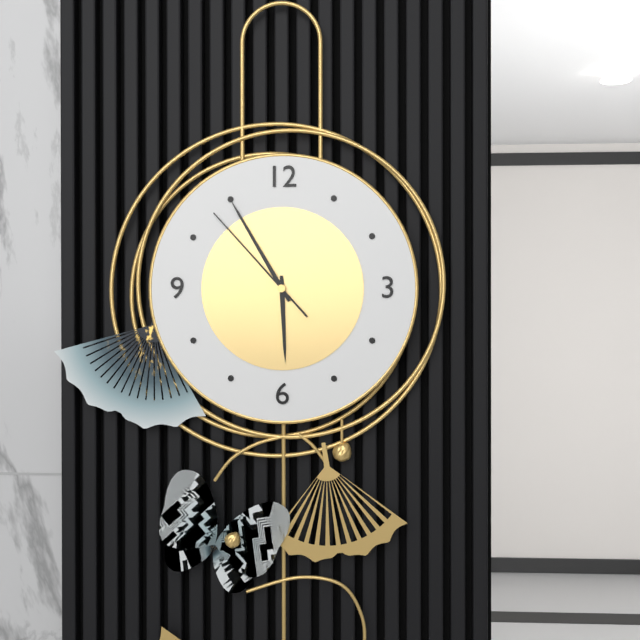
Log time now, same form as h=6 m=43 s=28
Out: h=5 m=55 s=53
